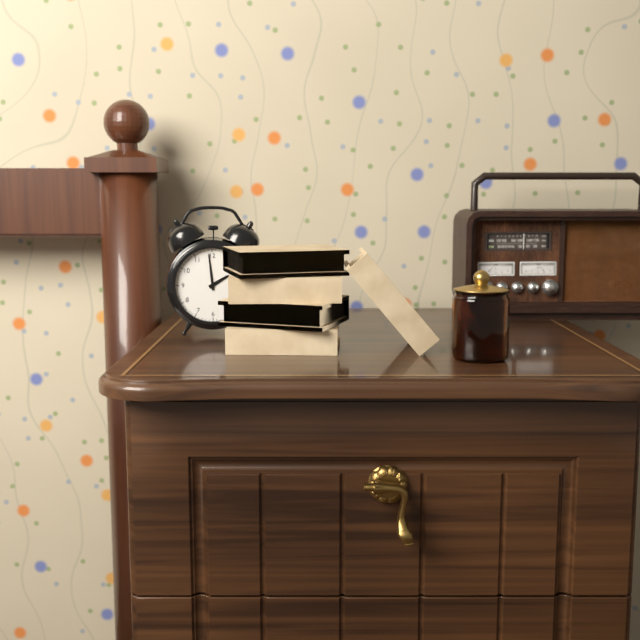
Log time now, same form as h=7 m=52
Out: h=1 m=59
